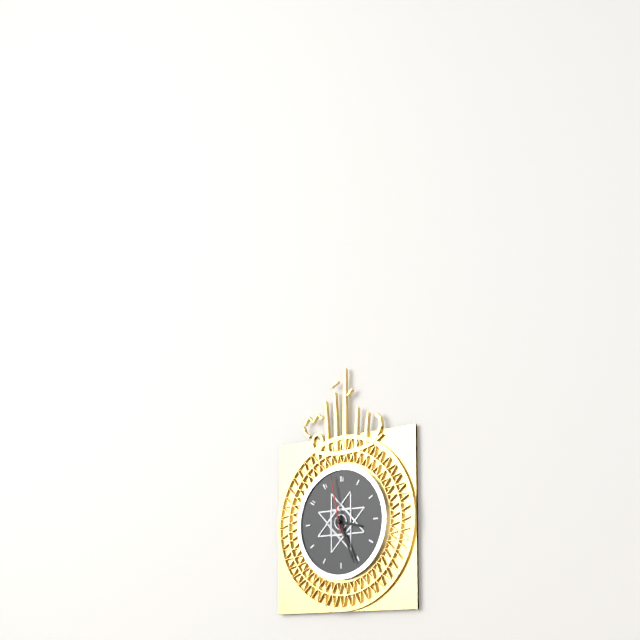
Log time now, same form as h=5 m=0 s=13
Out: h=3 m=26 s=58
